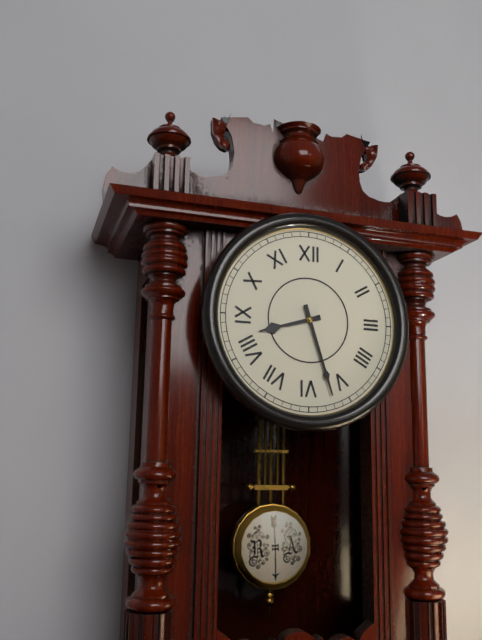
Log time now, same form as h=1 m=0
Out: h=8 m=27
